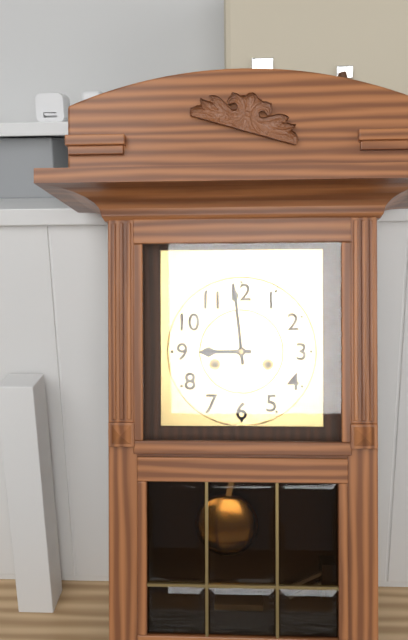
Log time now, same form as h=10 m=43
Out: h=8 m=59
